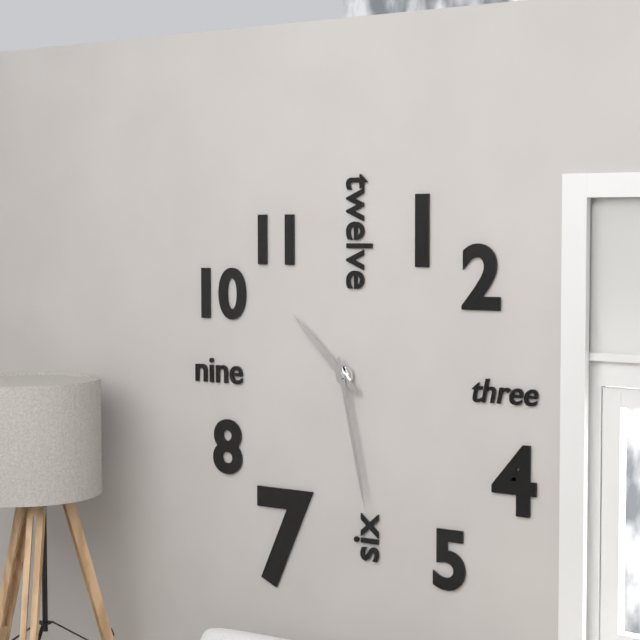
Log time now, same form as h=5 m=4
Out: h=10 m=28
